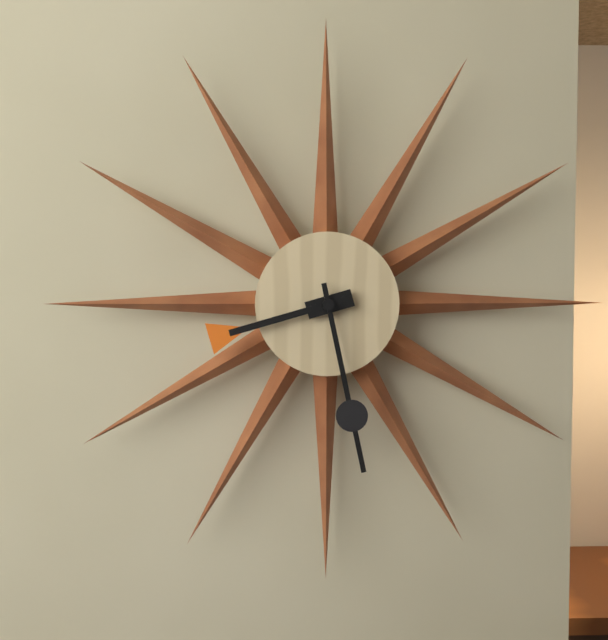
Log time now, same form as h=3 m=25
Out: h=8 m=28
